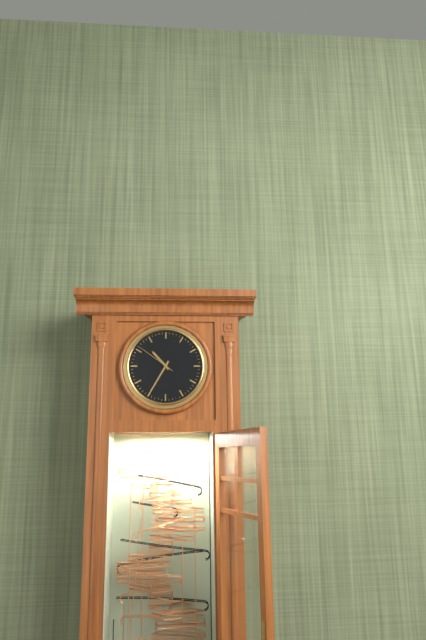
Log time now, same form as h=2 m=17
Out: h=10 m=35
